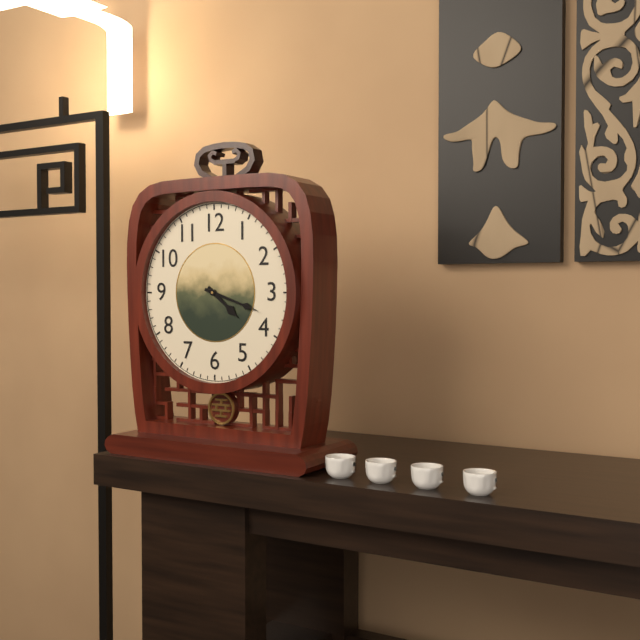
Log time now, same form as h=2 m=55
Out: h=4 m=18
